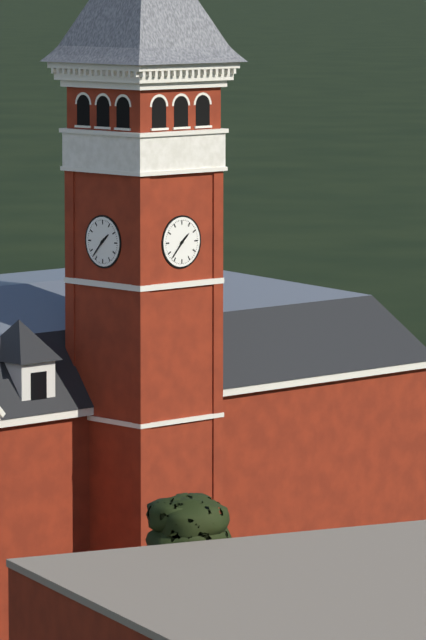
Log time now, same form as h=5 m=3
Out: h=1 m=37
